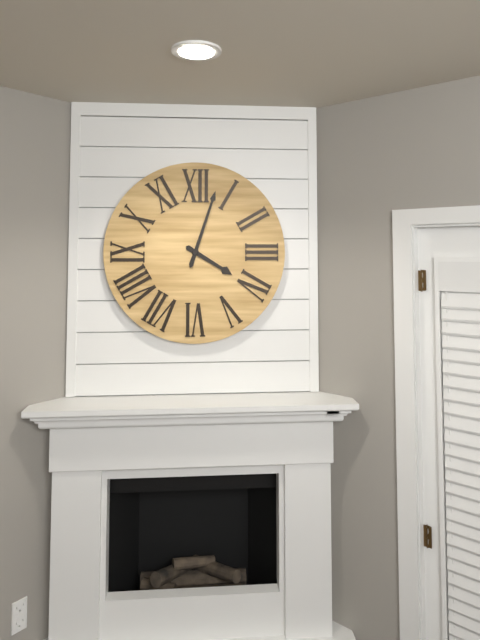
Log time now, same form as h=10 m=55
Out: h=4 m=3
